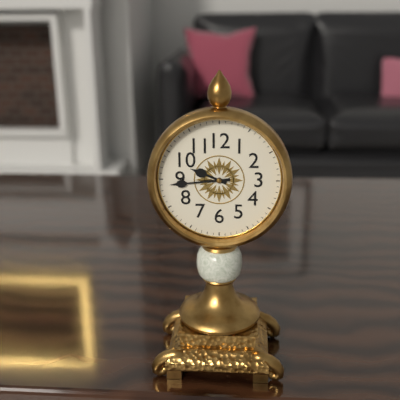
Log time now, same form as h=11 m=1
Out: h=9 m=44
